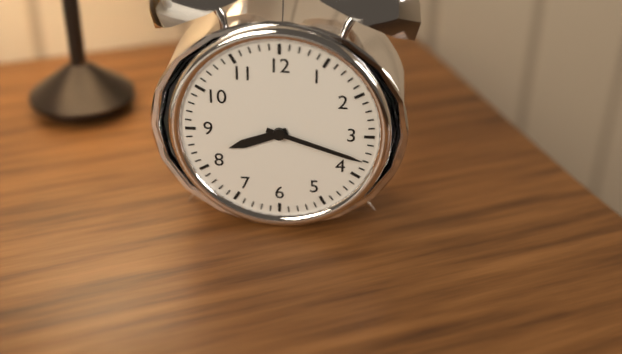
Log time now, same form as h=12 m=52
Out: h=8 m=18
